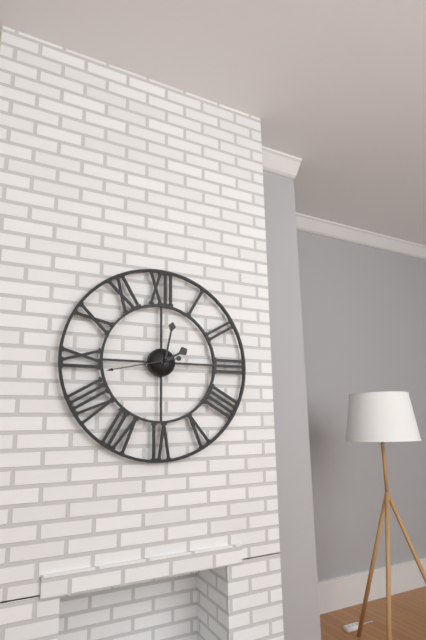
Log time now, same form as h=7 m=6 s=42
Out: h=2 m=2 s=43
